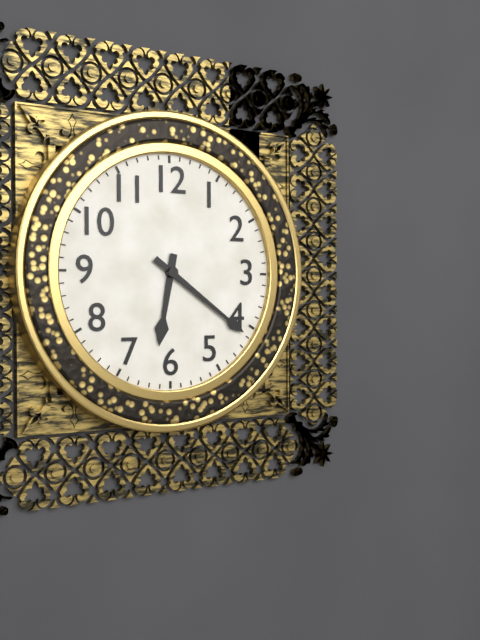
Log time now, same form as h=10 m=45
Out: h=6 m=21
